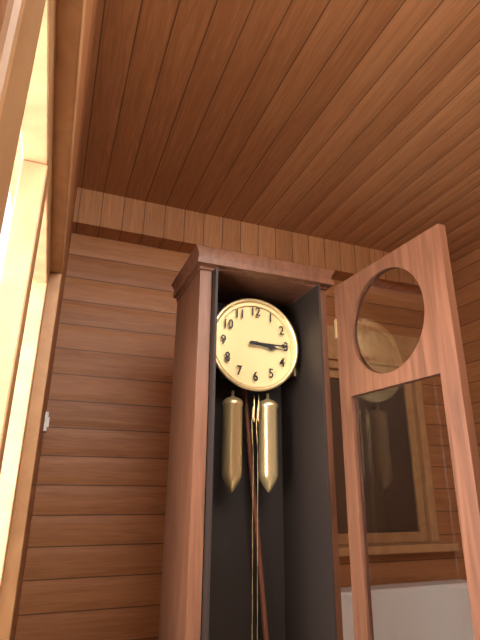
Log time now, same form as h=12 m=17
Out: h=3 m=15
